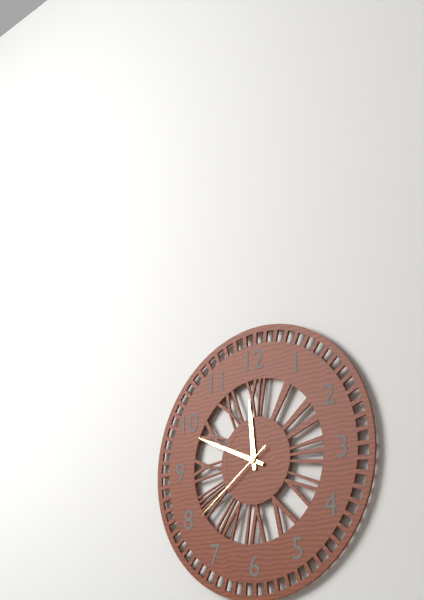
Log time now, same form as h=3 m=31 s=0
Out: h=11 m=49 s=39
